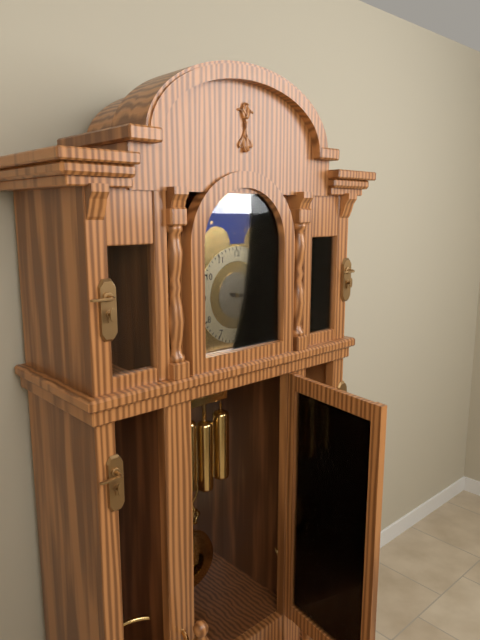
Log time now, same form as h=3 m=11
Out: h=3 m=17
